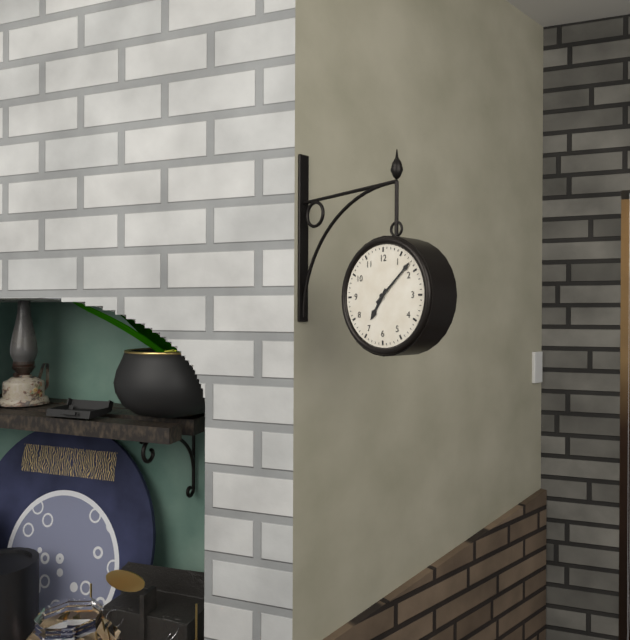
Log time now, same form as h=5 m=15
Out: h=7 m=8
